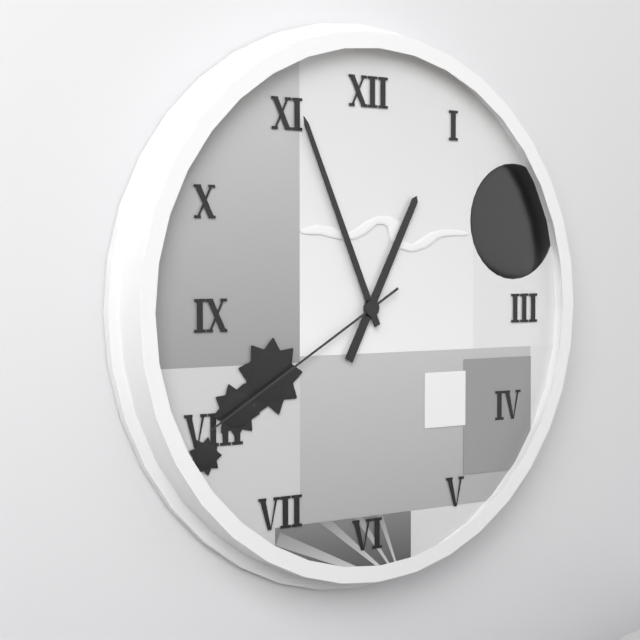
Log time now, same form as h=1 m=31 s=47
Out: h=12 m=56 s=40
